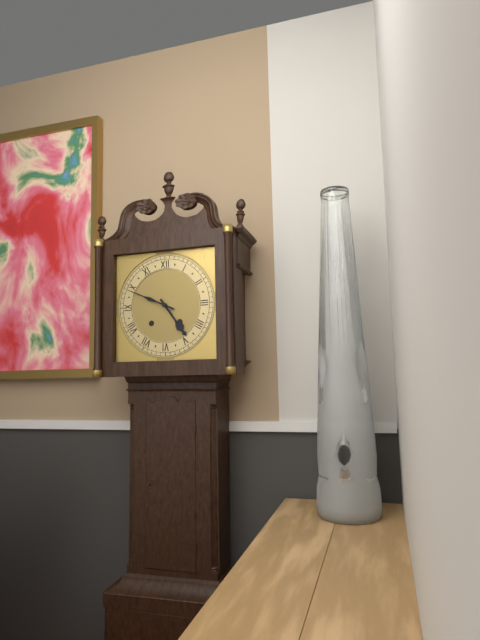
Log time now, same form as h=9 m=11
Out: h=4 m=49
